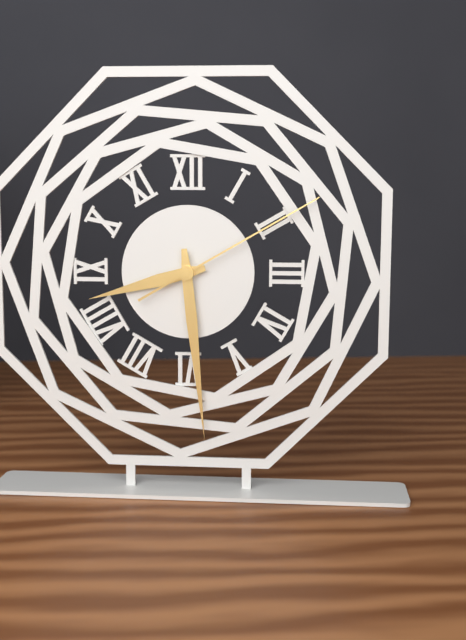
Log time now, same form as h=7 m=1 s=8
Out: h=8 m=29 s=10
